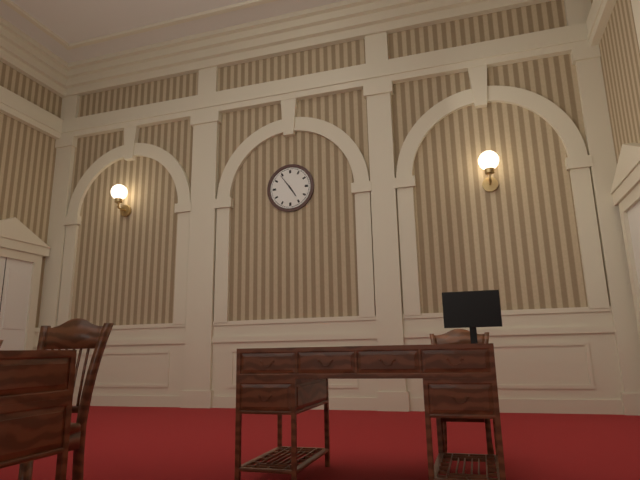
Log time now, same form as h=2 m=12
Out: h=4 m=54
